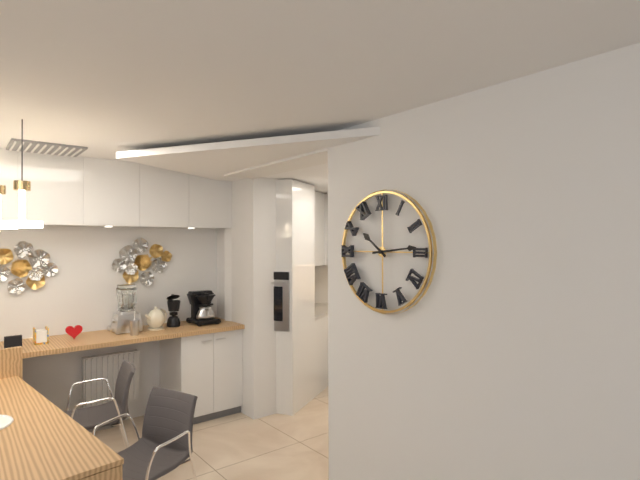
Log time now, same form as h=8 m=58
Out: h=10 m=14
